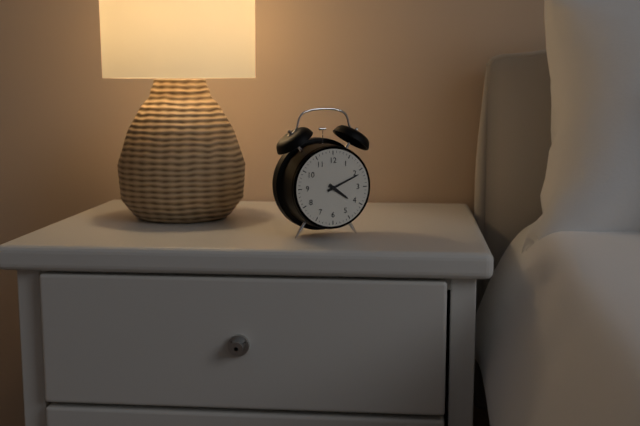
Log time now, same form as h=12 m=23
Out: h=4 m=11
